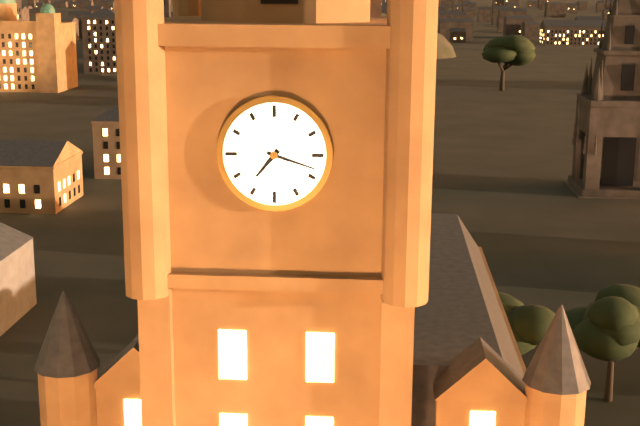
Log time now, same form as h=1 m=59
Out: h=7 m=18
